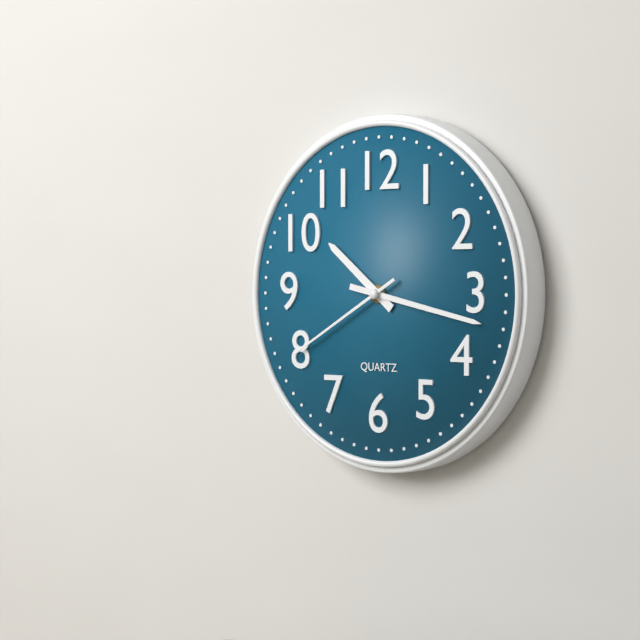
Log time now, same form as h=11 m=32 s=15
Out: h=10 m=17 s=40
